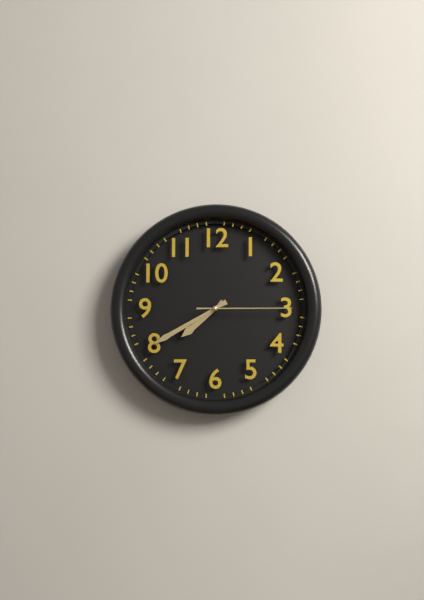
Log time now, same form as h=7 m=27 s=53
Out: h=7 m=40 s=15
